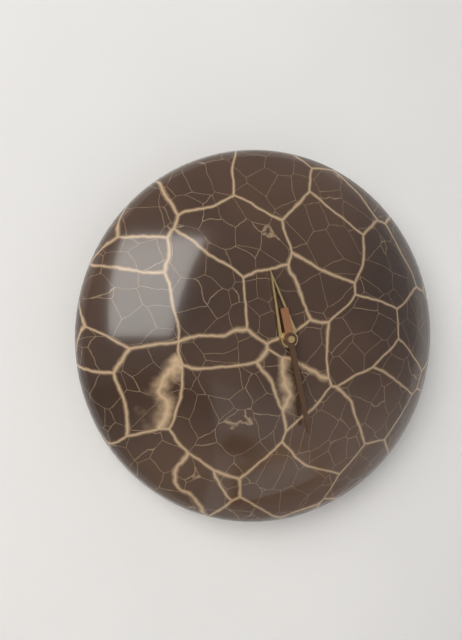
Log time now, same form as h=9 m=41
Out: h=11 m=28
